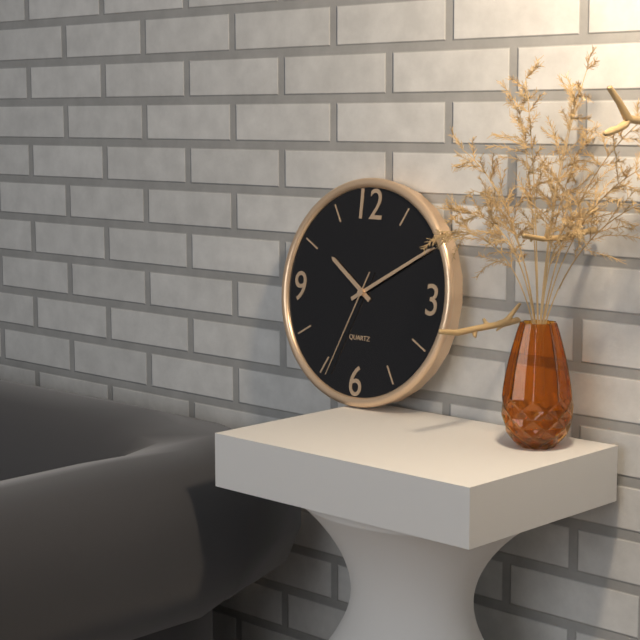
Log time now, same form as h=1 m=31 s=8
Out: h=10 m=10 s=34
